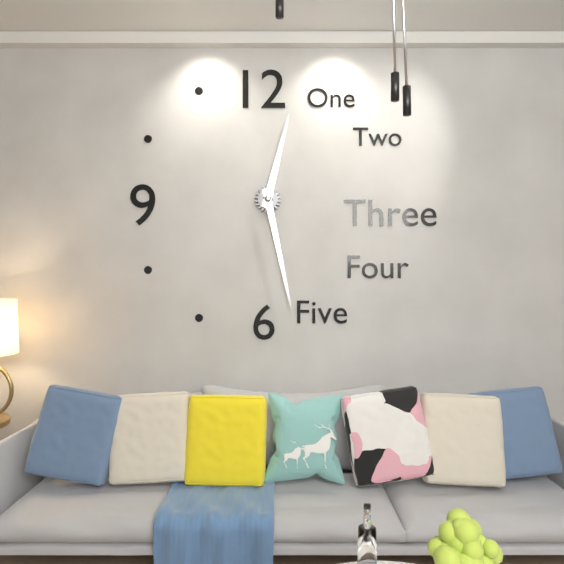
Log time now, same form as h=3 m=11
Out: h=12 m=28
